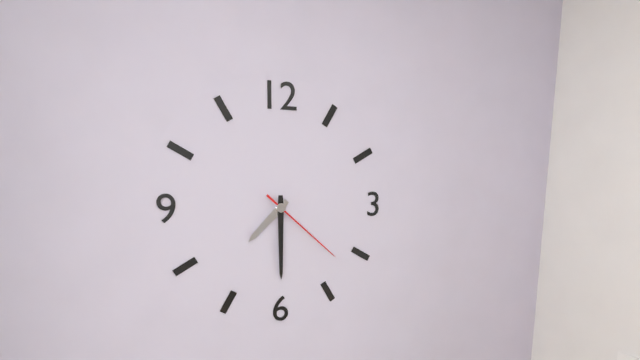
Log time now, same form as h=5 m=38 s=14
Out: h=7 m=30 s=22
